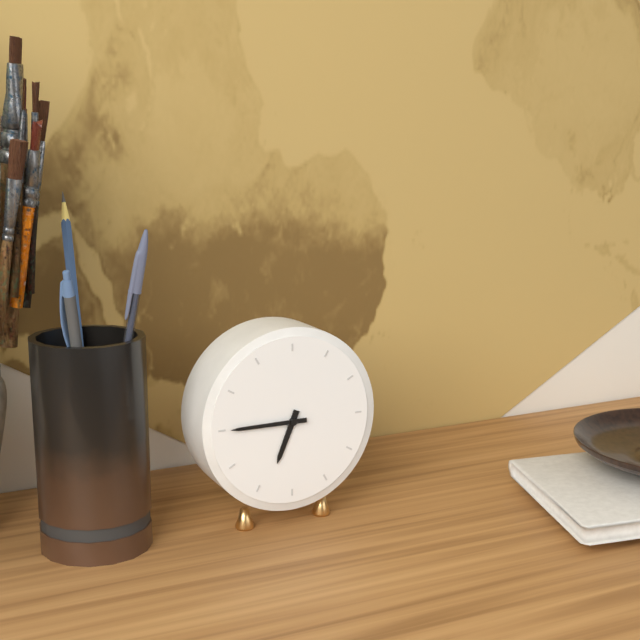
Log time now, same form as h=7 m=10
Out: h=6 m=45
